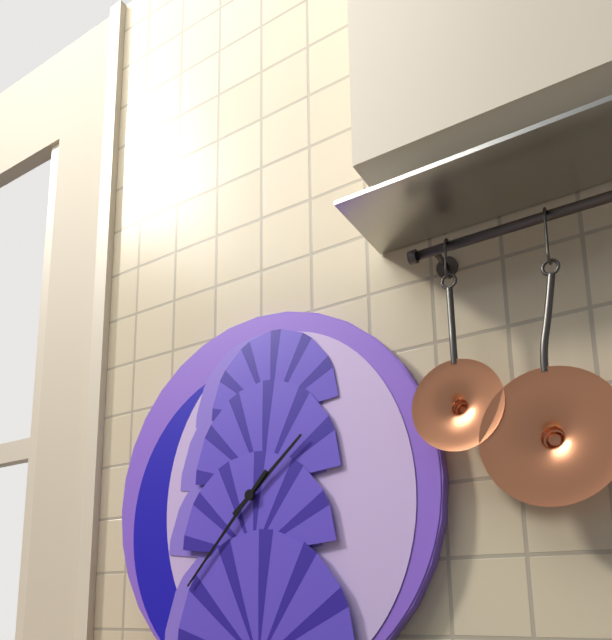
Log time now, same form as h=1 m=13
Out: h=1 m=37
